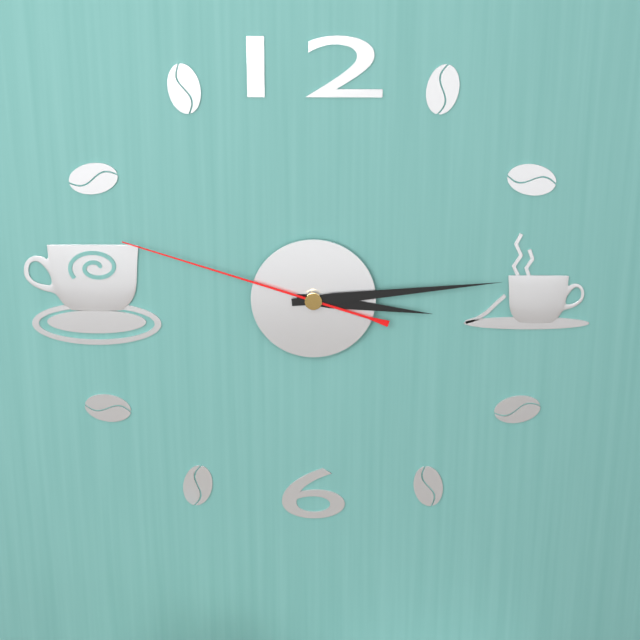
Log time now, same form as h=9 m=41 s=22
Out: h=3 m=14 s=48
